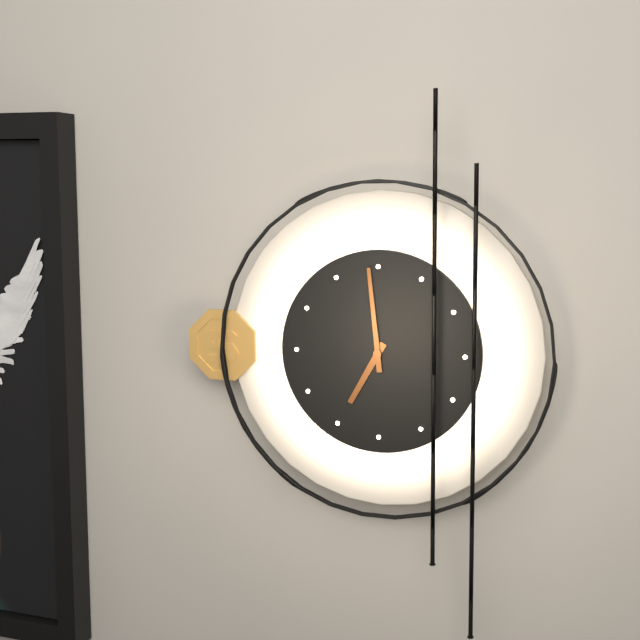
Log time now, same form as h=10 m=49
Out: h=6 m=59
